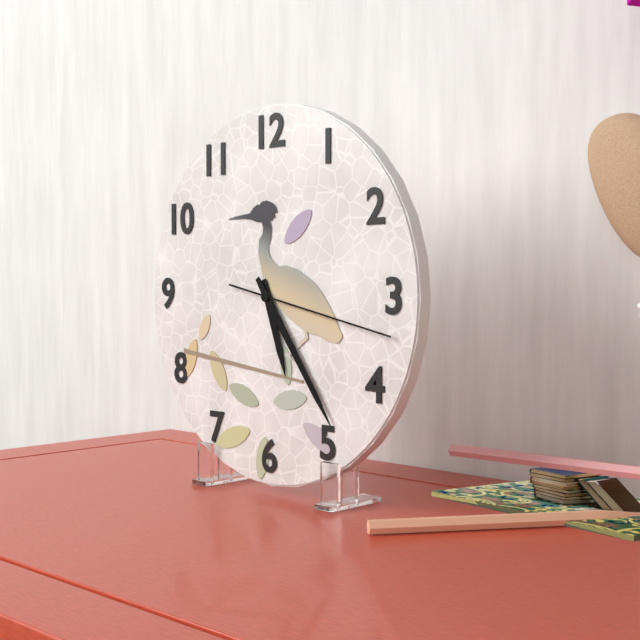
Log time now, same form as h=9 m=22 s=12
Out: h=5 m=24 s=17
